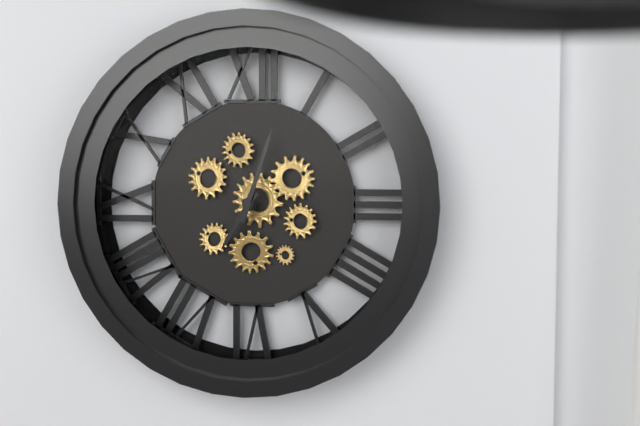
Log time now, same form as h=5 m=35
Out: h=7 m=3
